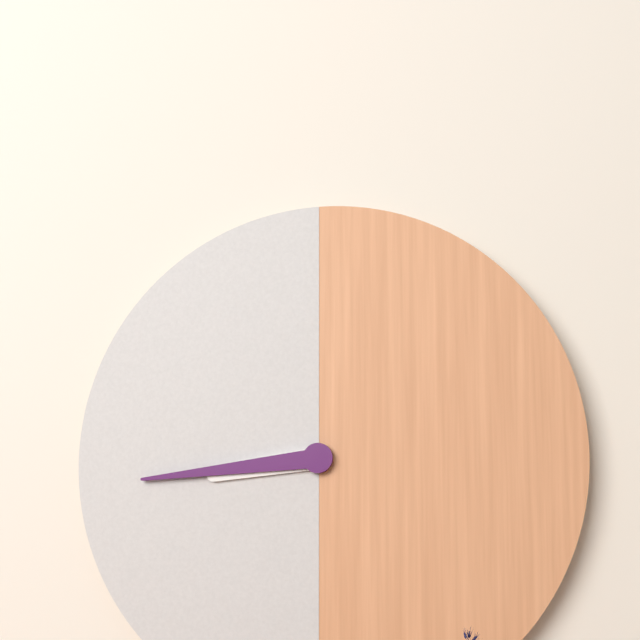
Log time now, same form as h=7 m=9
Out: h=8 m=44
